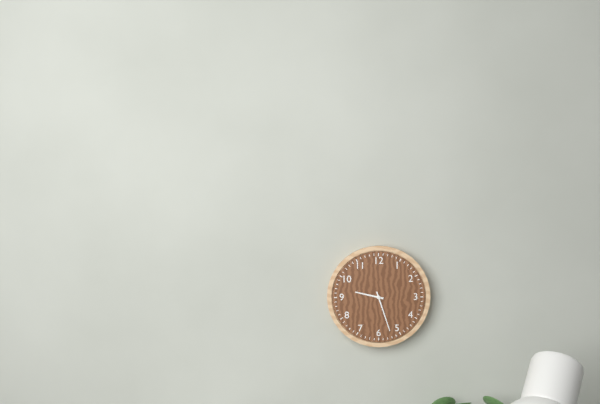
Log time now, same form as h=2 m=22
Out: h=9 m=27
